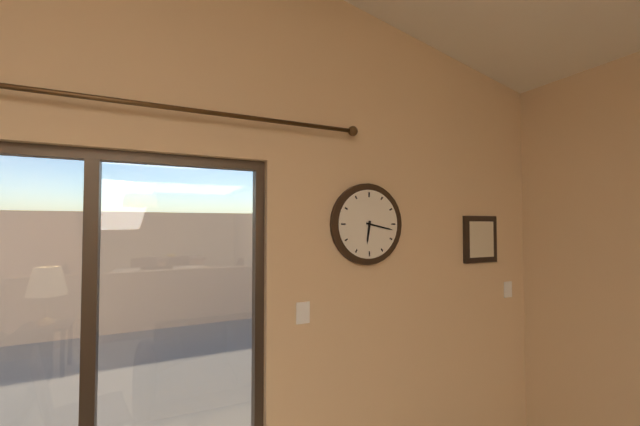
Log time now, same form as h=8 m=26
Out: h=6 m=17
